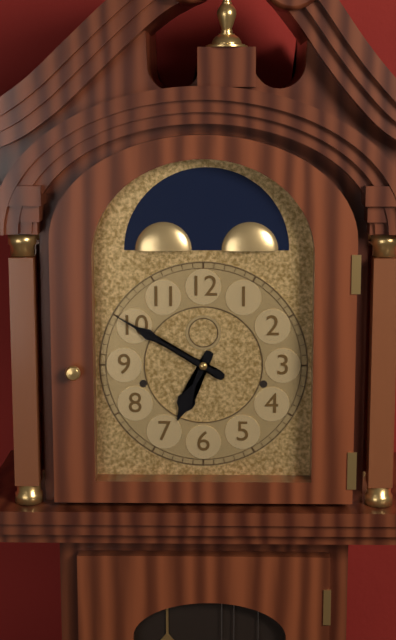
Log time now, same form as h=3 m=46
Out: h=6 m=50
